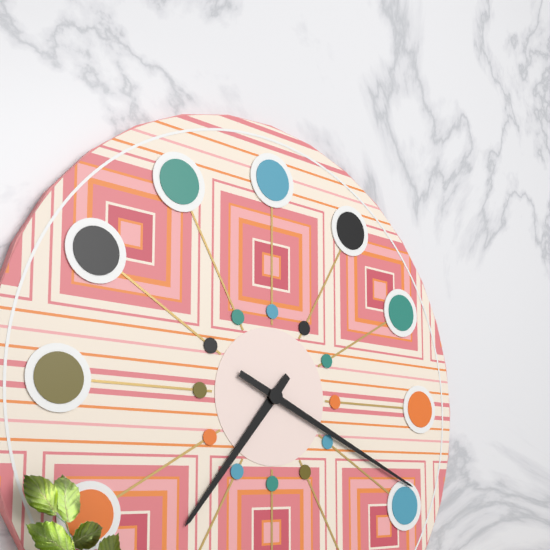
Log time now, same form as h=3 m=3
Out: h=7 m=19
